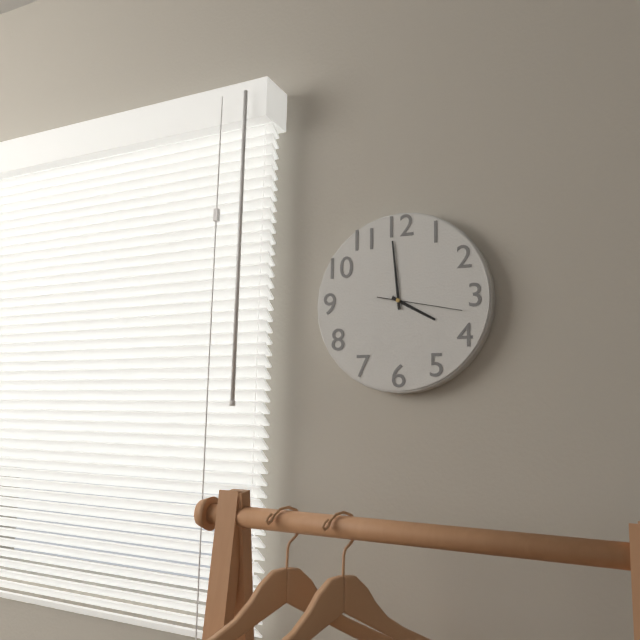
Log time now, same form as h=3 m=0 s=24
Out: h=3 m=59 s=17
